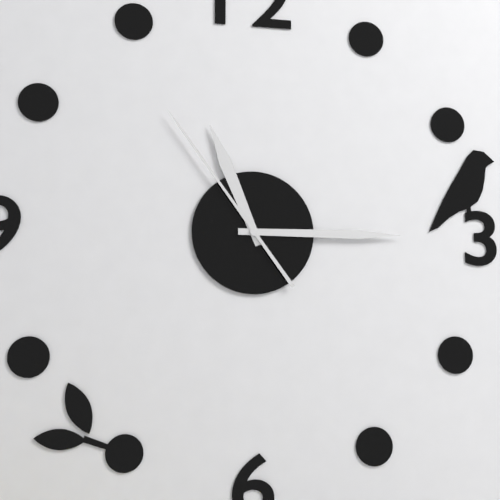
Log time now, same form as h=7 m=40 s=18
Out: h=11 m=15 s=54
